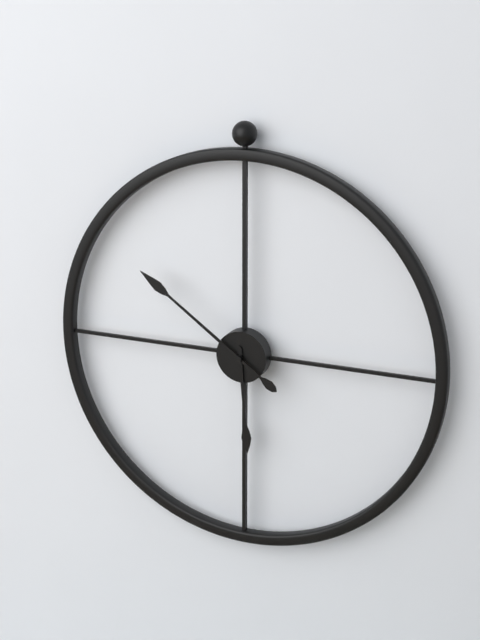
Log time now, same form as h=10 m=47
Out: h=5 m=51
